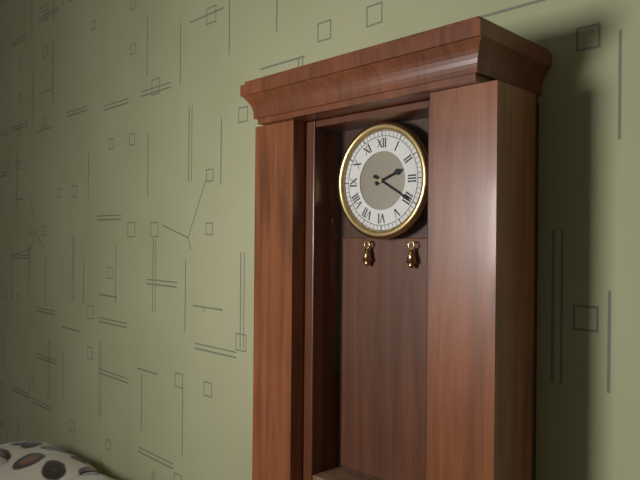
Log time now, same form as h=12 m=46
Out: h=2 m=20
